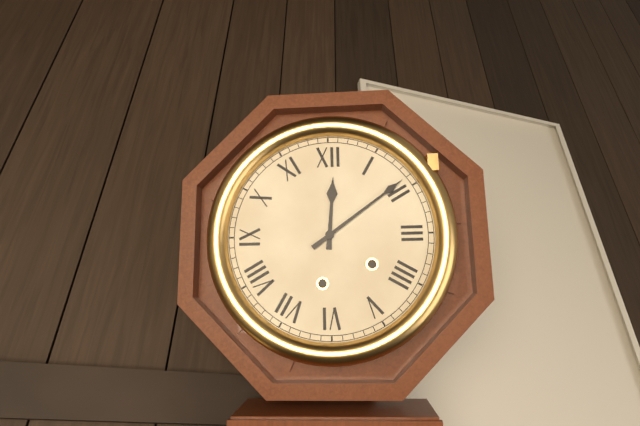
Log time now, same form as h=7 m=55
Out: h=12 m=9
